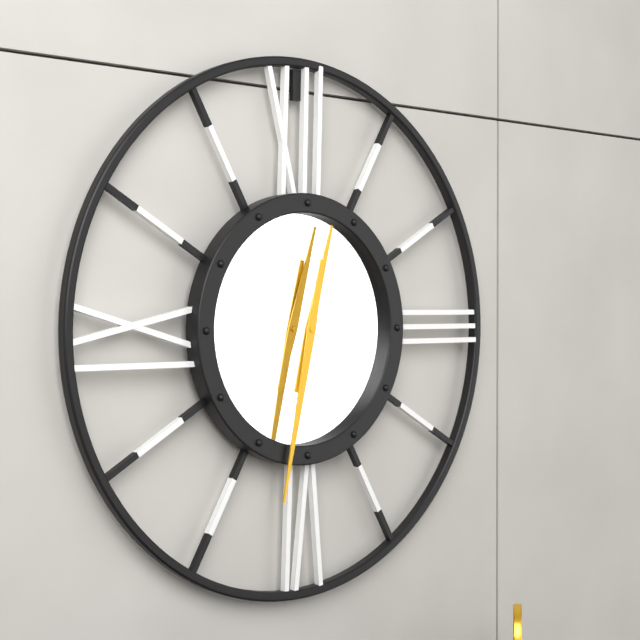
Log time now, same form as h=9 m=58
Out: h=12 m=32
